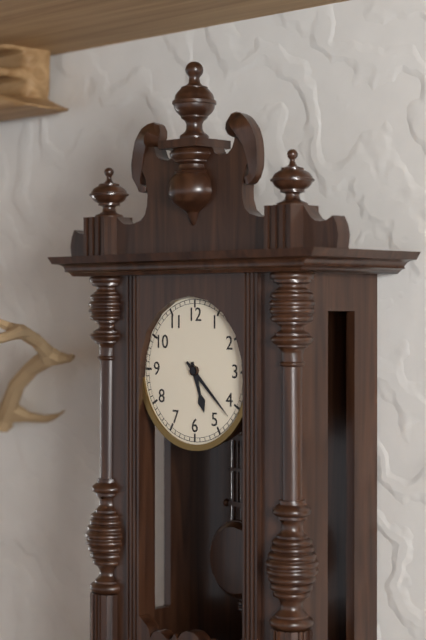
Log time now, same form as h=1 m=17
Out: h=5 m=22
